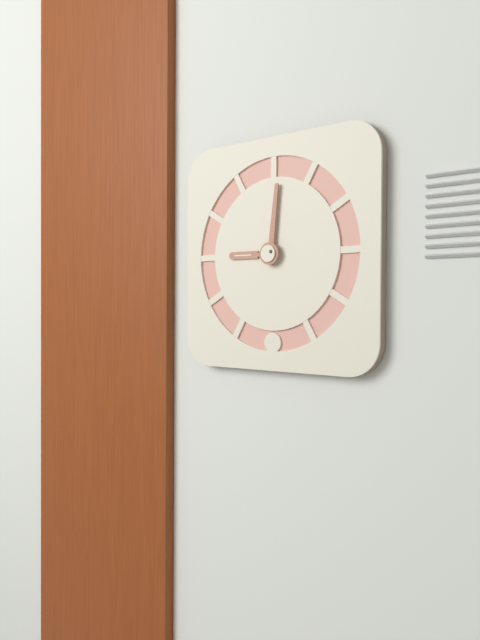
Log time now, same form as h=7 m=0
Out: h=9 m=1
